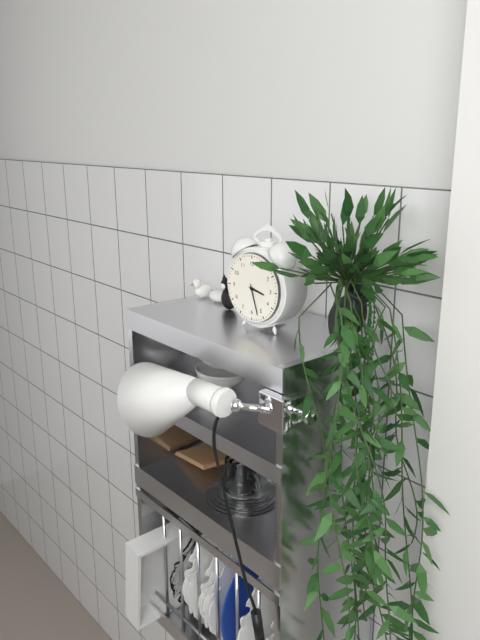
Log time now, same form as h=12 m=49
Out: h=3 m=27
